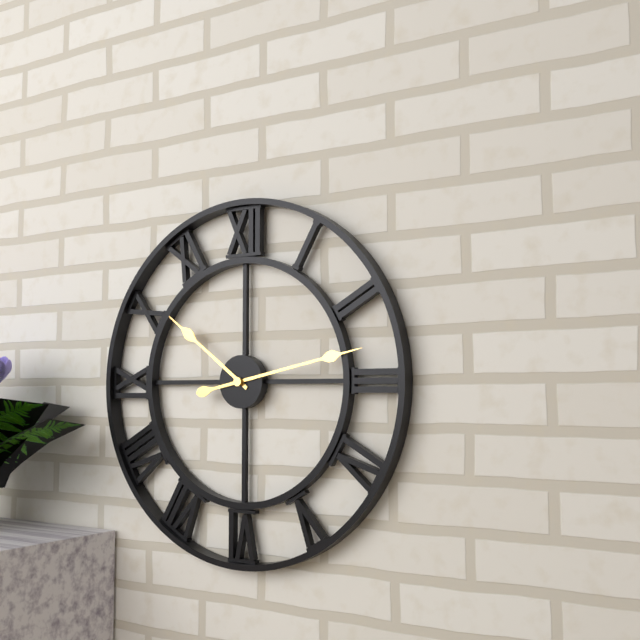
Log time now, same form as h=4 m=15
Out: h=10 m=13
